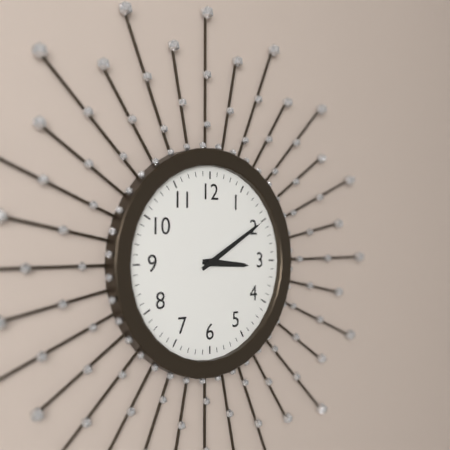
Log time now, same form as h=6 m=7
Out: h=3 m=10
